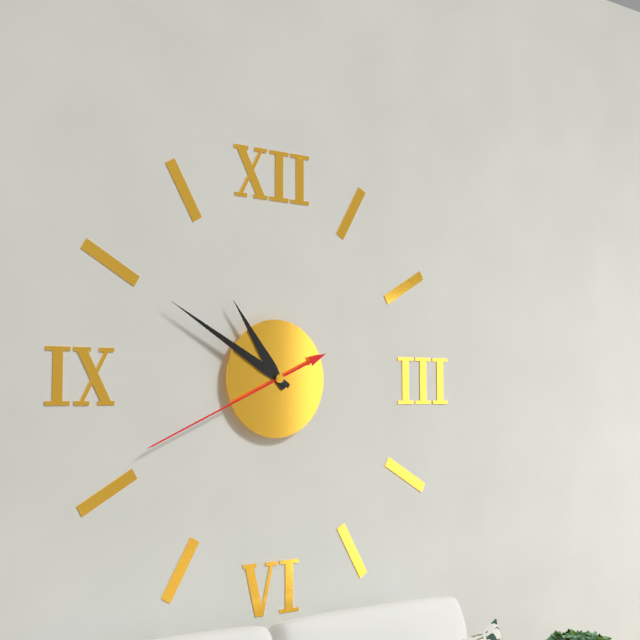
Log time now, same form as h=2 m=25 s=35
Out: h=10 m=50 s=41
